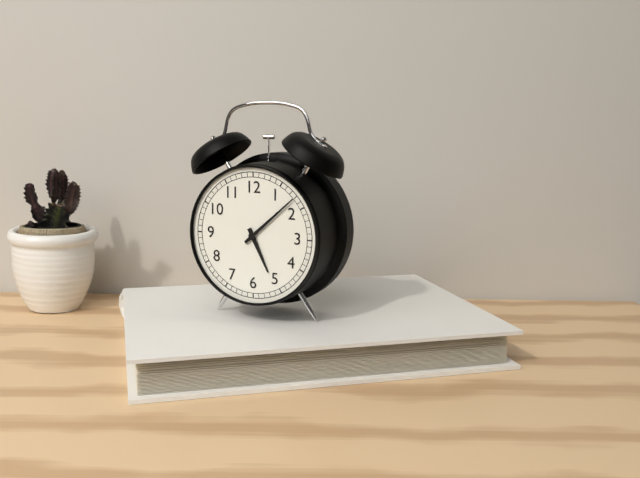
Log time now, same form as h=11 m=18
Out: h=5 m=8
